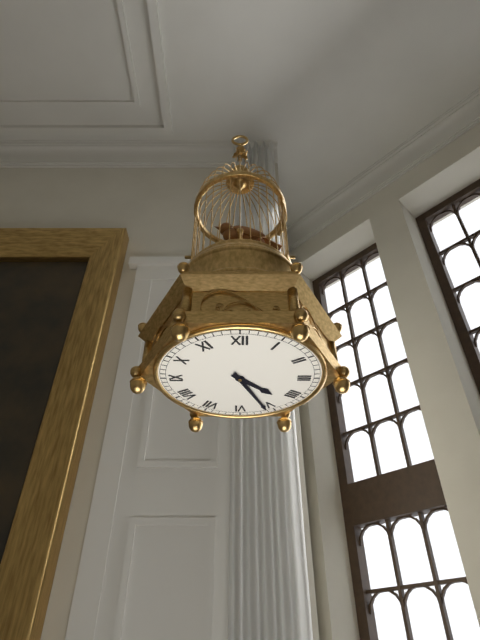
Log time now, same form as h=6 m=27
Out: h=4 m=26
